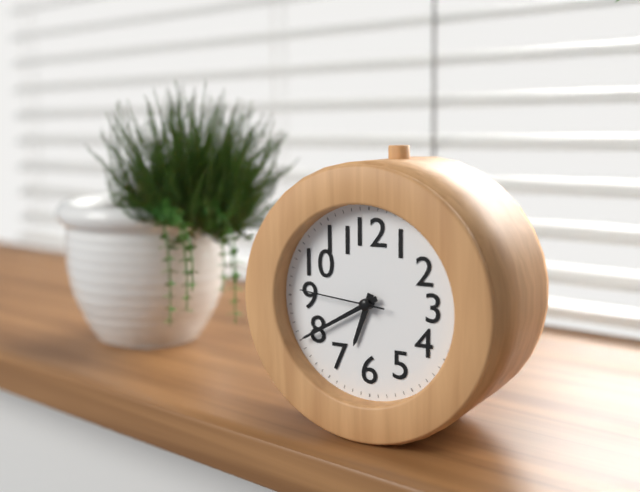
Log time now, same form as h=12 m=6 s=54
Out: h=6 m=40 s=46
